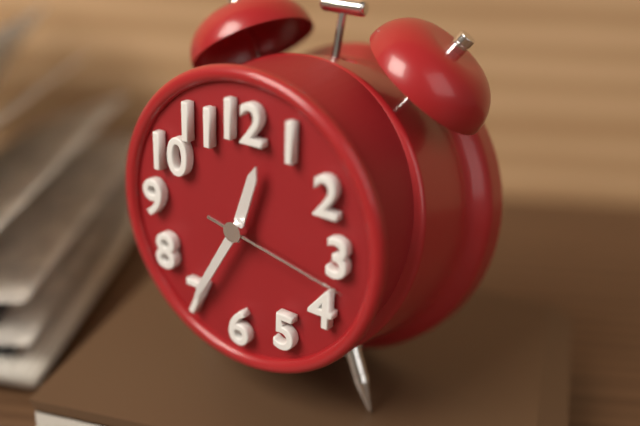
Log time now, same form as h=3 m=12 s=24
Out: h=12 m=35 s=17
